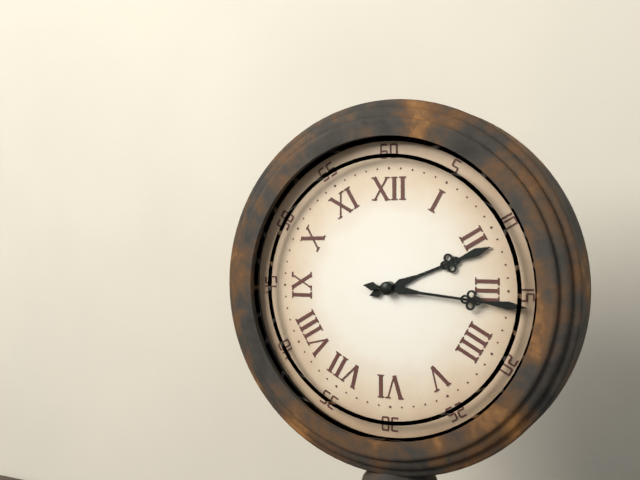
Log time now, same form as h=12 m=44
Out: h=2 m=16
